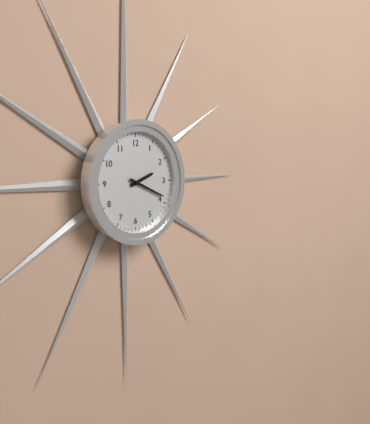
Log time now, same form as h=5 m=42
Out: h=2 m=19
